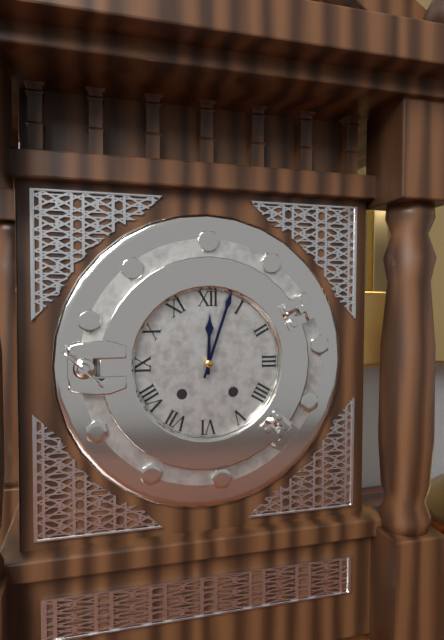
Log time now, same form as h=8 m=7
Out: h=12 m=3
